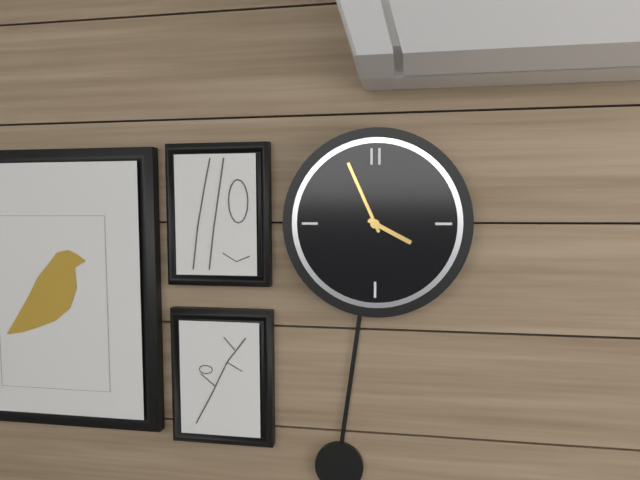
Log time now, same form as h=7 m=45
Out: h=3 m=56
